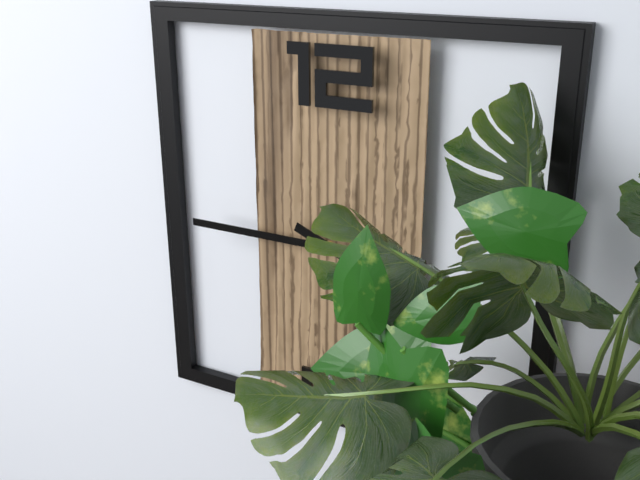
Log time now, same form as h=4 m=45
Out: h=3 m=45
